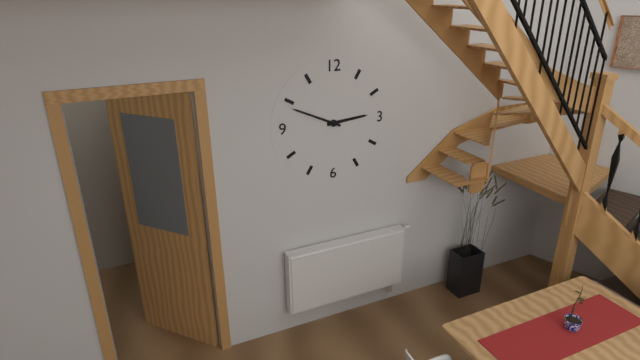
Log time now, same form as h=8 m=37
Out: h=2 m=49
